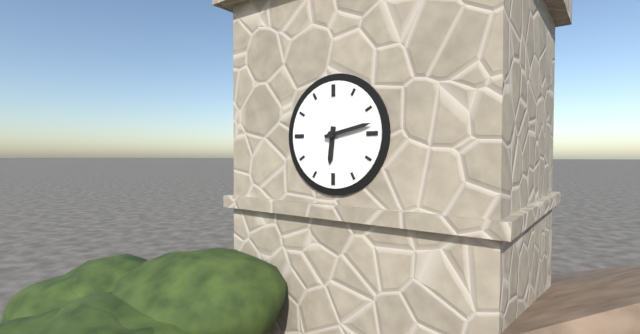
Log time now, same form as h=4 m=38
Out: h=6 m=13
